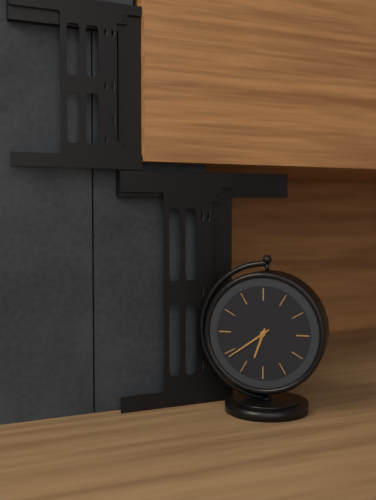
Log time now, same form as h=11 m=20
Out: h=6 m=39
